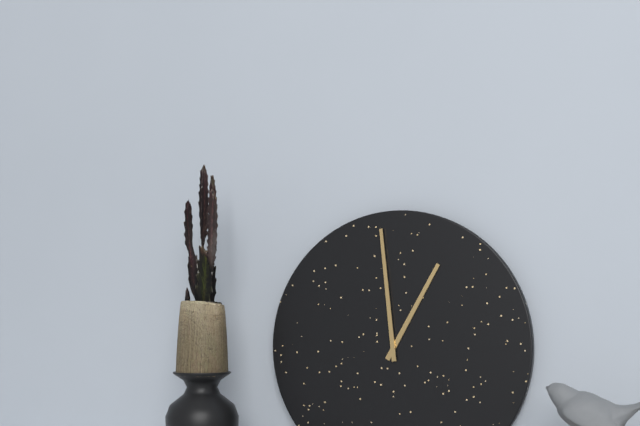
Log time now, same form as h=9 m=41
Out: h=12 m=59
